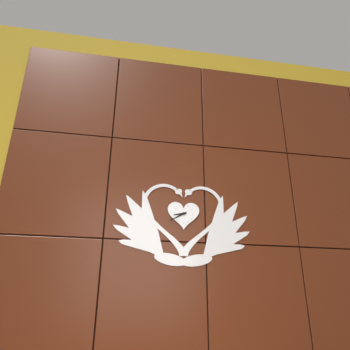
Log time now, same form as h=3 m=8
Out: h=8 m=40
